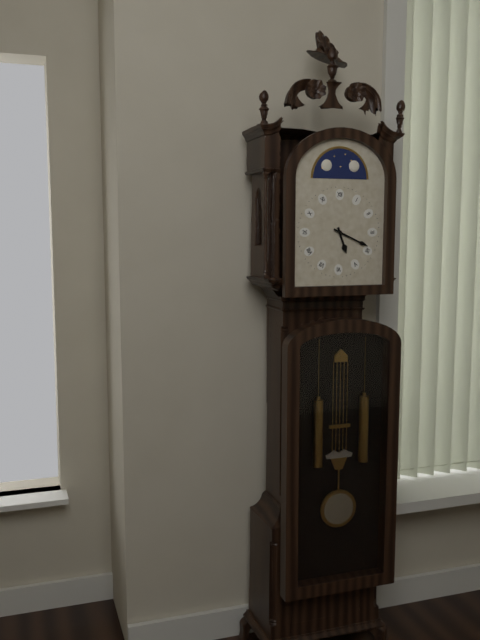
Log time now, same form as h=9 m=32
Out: h=5 m=19
